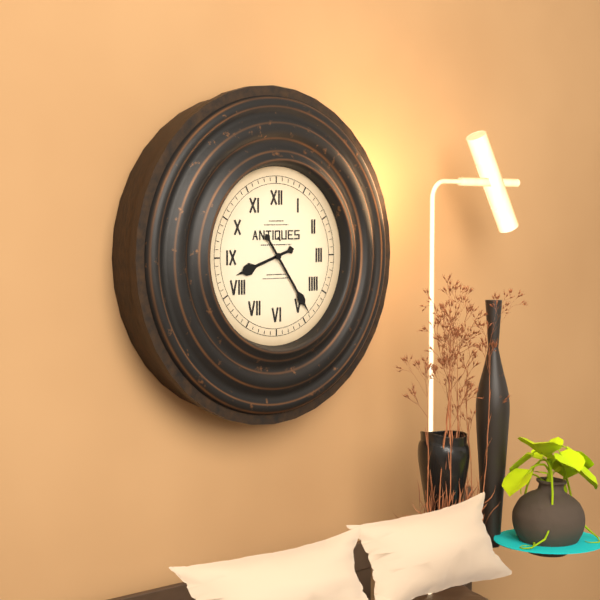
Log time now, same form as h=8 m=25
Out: h=8 m=24
